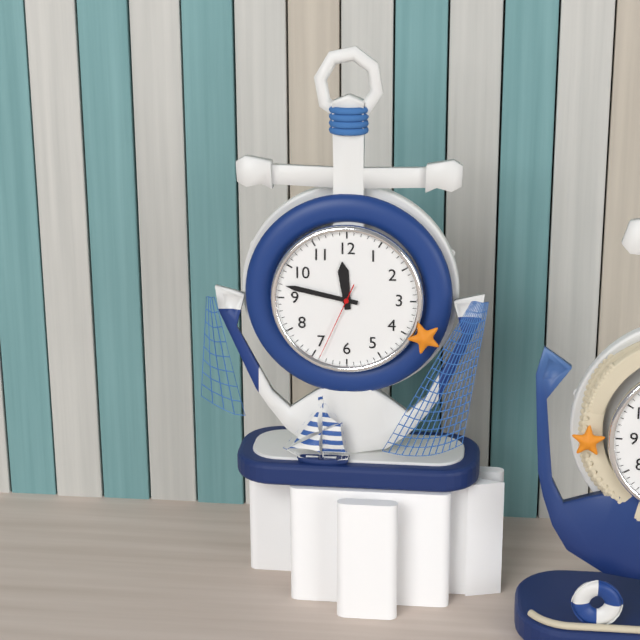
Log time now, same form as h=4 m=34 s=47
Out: h=11 m=47 s=34
